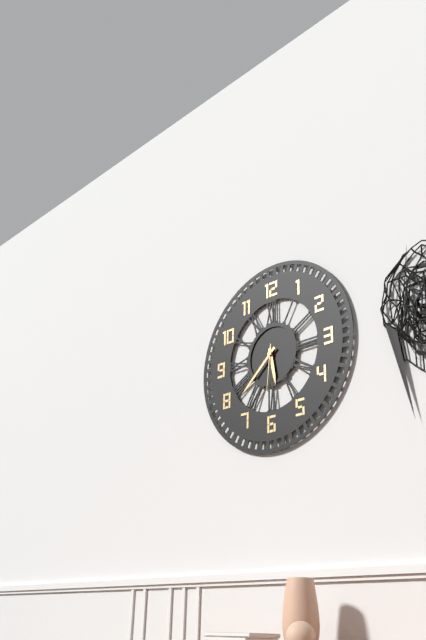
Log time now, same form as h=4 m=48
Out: h=5 m=38
